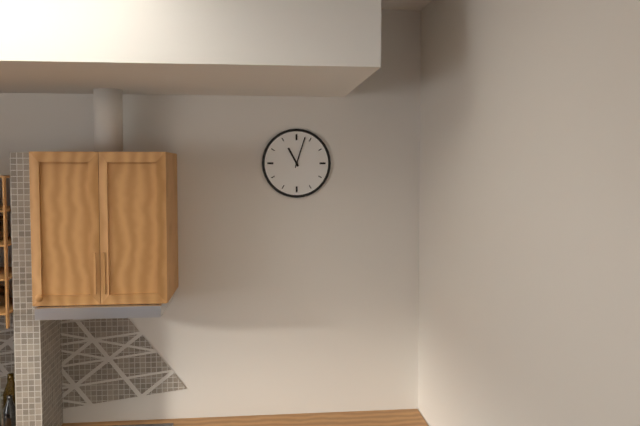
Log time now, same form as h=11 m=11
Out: h=11 m=3
